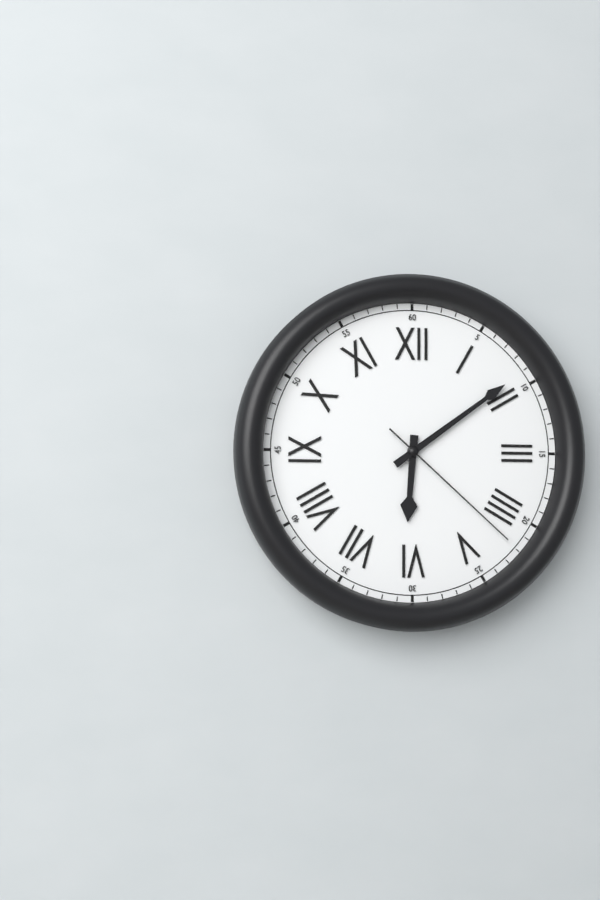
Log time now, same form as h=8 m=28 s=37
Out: h=6 m=9 s=22
